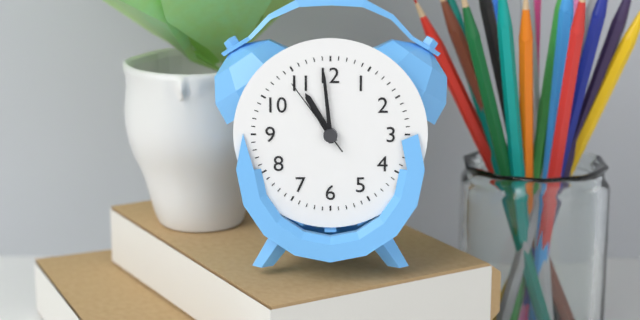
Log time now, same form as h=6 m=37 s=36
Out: h=10 m=59 s=54
